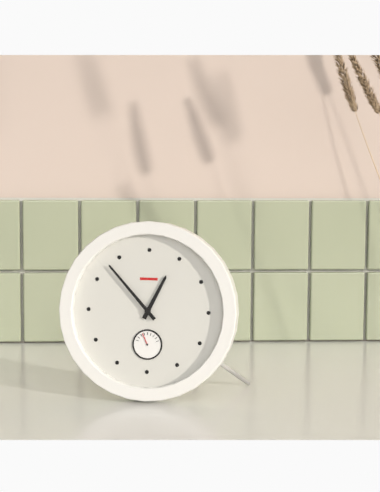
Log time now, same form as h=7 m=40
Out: h=12 m=53
